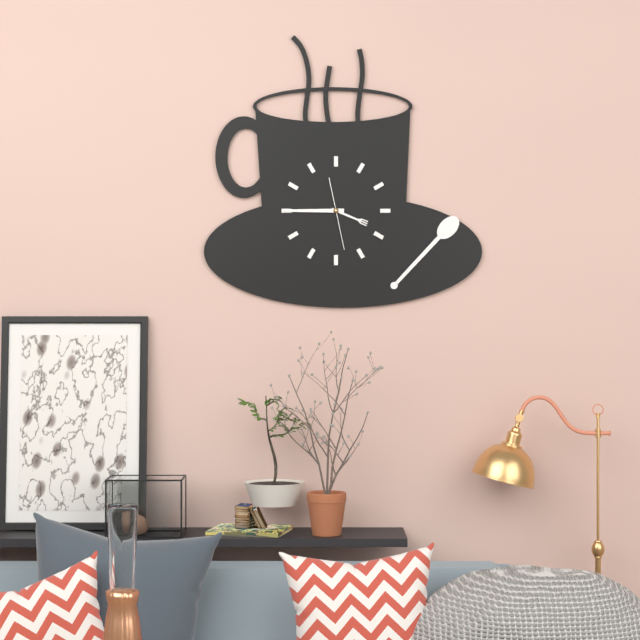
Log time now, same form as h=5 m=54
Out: h=3 m=45
